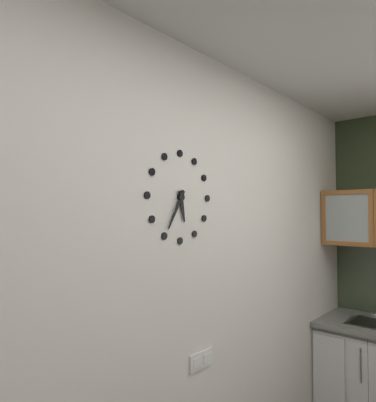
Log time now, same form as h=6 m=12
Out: h=5 m=35
